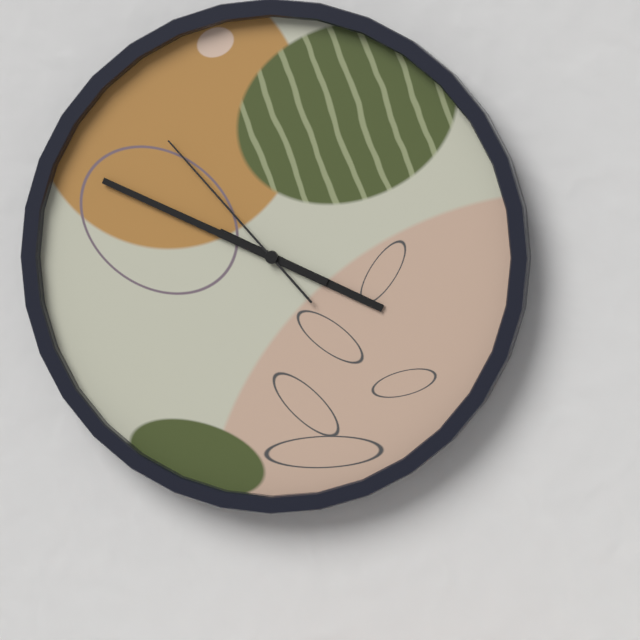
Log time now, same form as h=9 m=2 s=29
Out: h=3 m=49 s=53
